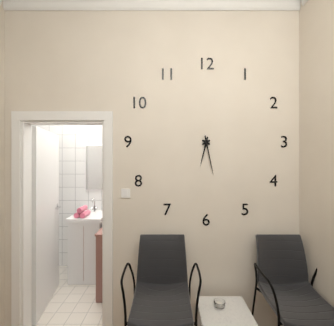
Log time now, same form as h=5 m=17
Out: h=6 m=28
